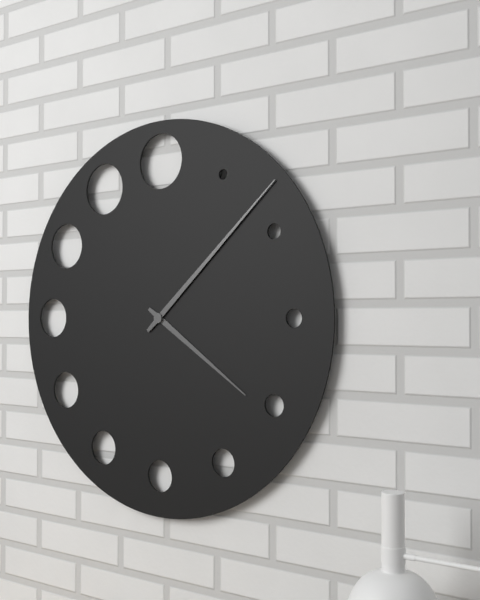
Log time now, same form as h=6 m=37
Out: h=4 m=8
